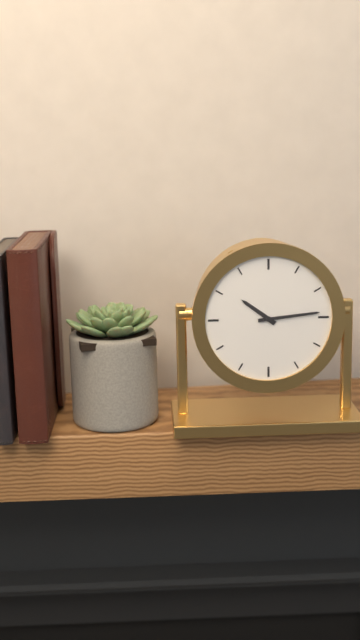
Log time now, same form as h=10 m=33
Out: h=10 m=14
